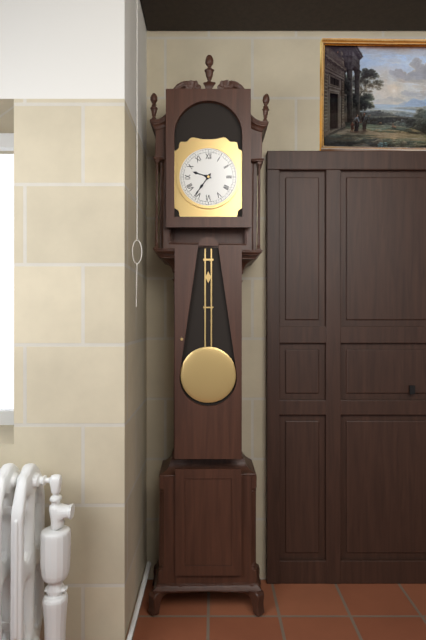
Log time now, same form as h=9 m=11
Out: h=9 m=36
